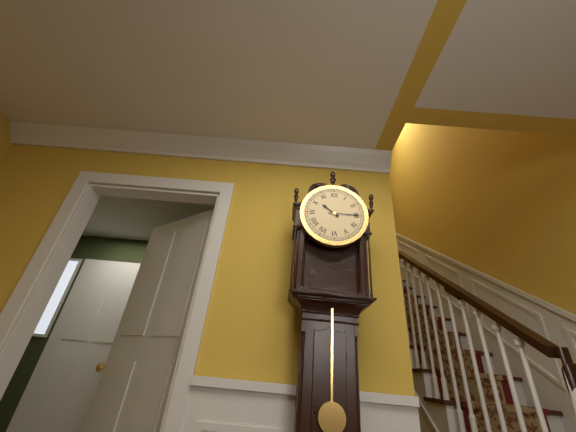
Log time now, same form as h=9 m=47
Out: h=10 m=15
